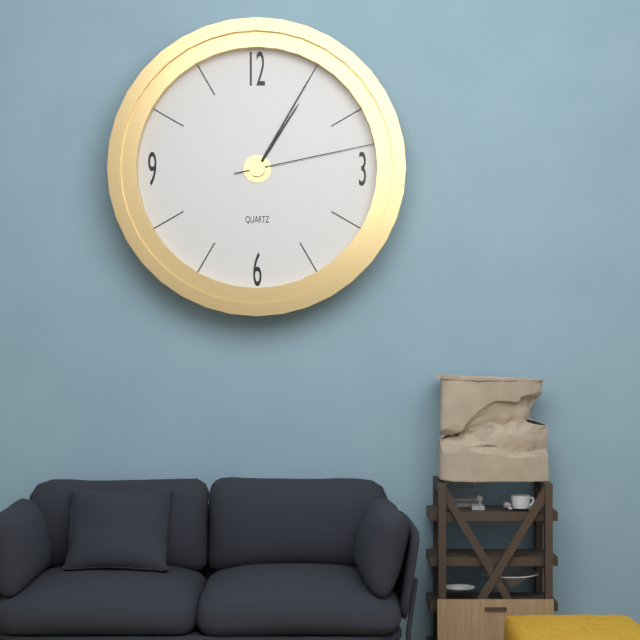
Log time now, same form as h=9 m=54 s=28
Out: h=1 m=5 s=13
